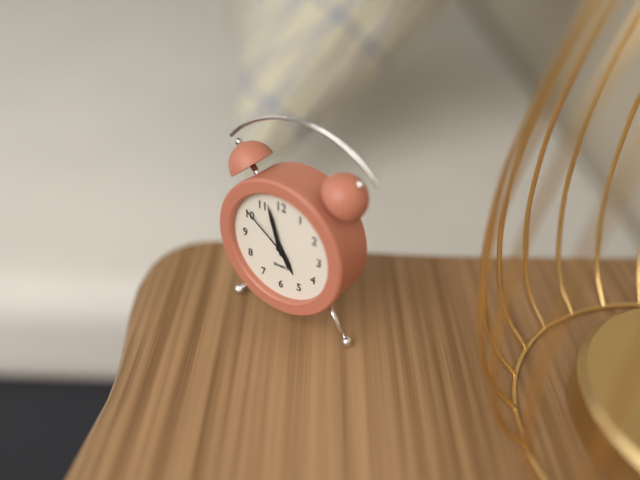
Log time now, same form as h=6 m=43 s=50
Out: h=4 m=57 s=51
